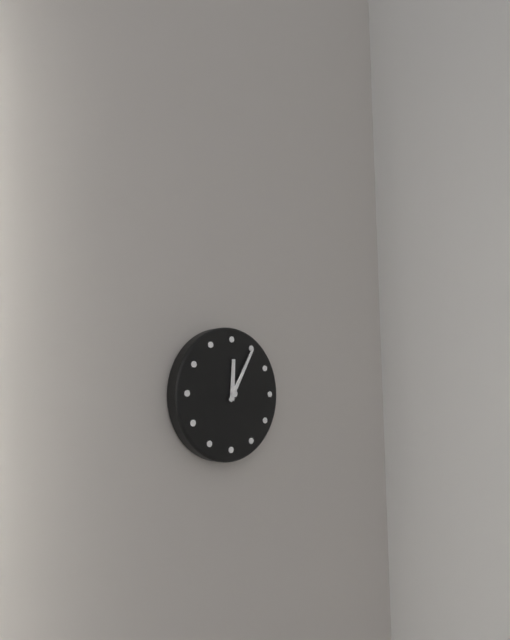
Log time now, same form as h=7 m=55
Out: h=12 m=5
